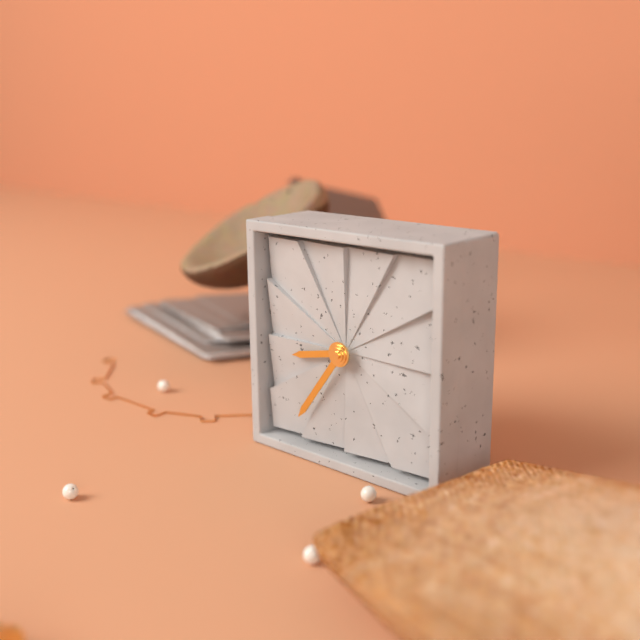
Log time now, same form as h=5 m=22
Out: h=8 m=36
